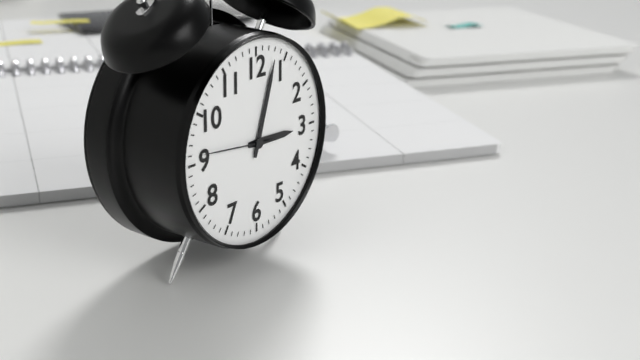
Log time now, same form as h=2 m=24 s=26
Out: h=3 m=3 s=46
